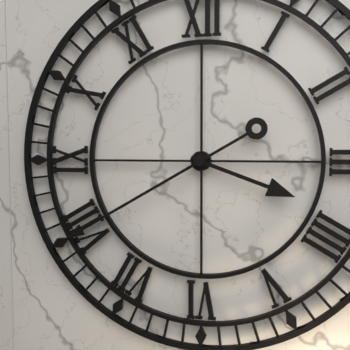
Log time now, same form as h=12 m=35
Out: h=3 m=40
